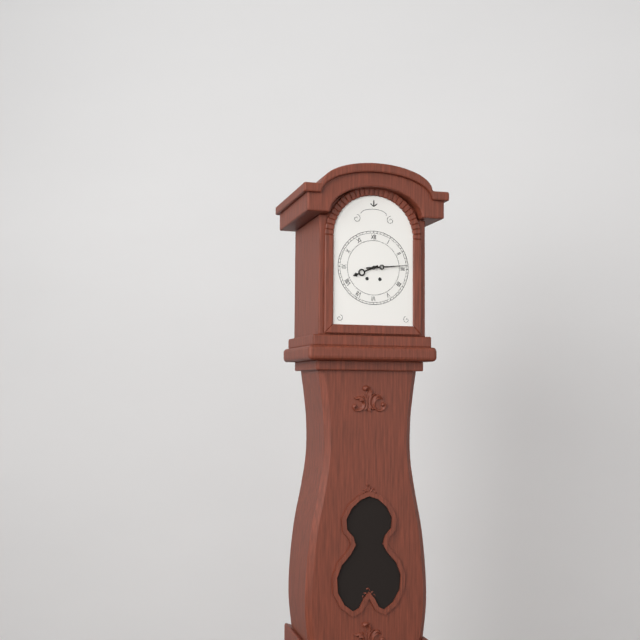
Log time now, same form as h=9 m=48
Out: h=8 m=14
